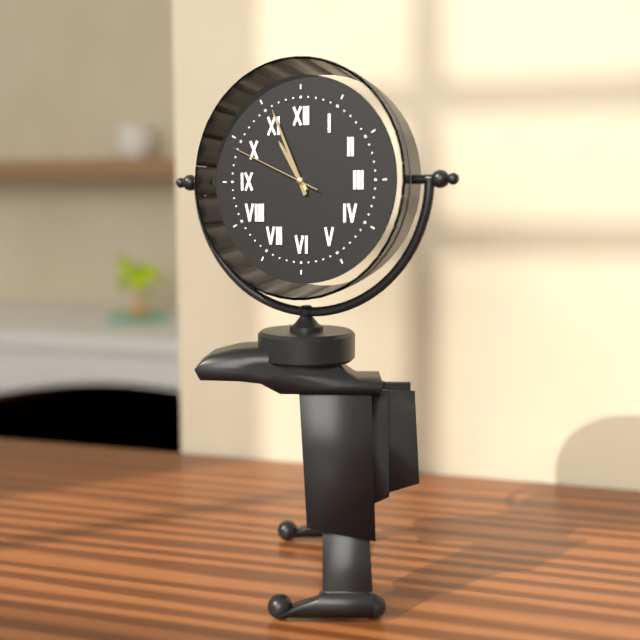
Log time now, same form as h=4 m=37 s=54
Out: h=10 m=56 s=49
